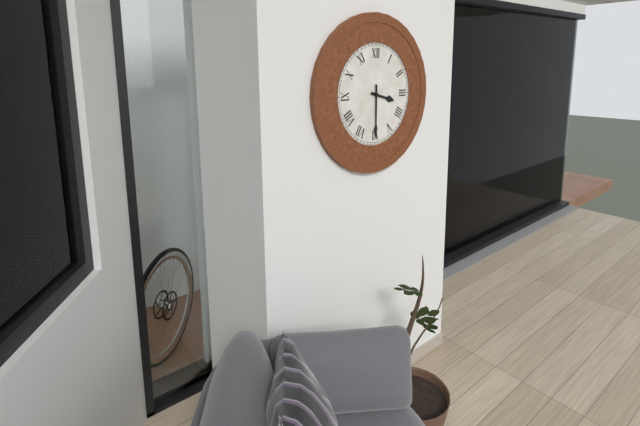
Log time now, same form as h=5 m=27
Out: h=3 m=30
